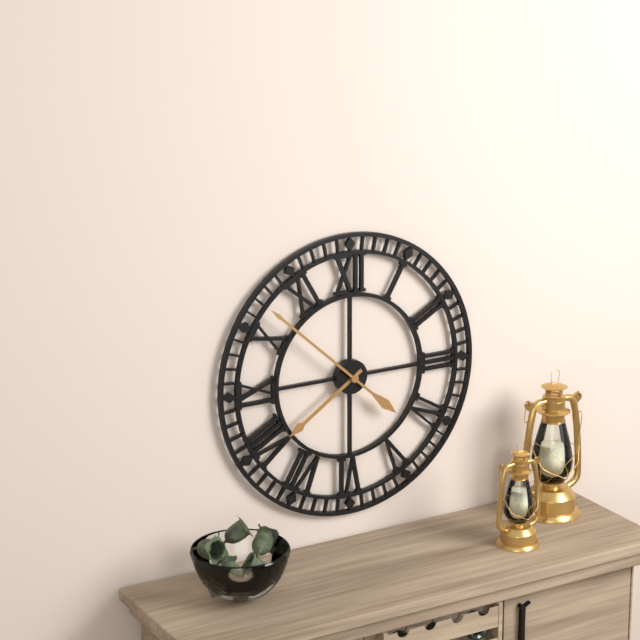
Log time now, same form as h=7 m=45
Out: h=7 m=52
